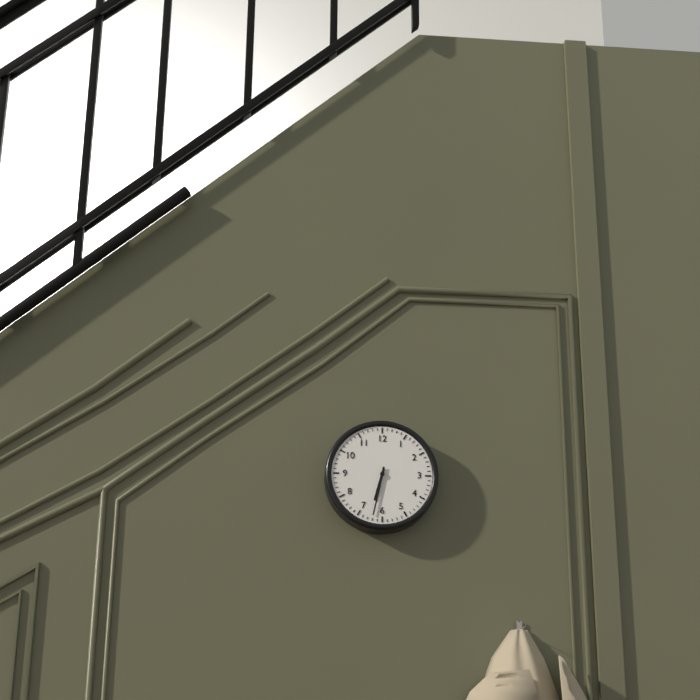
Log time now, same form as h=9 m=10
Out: h=6 m=32
